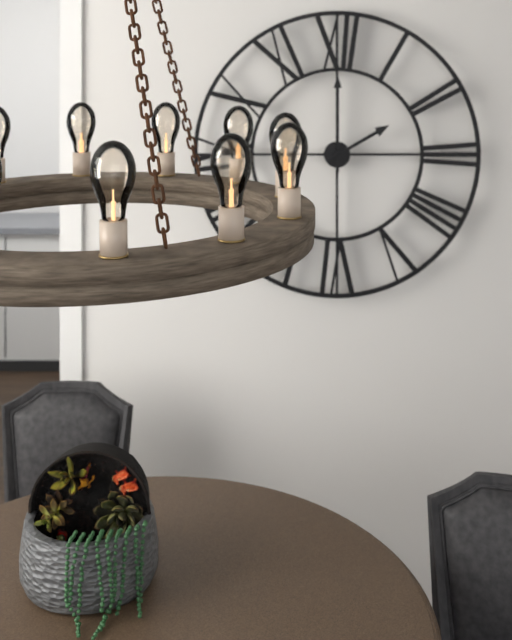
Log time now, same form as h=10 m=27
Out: h=2 m=0
